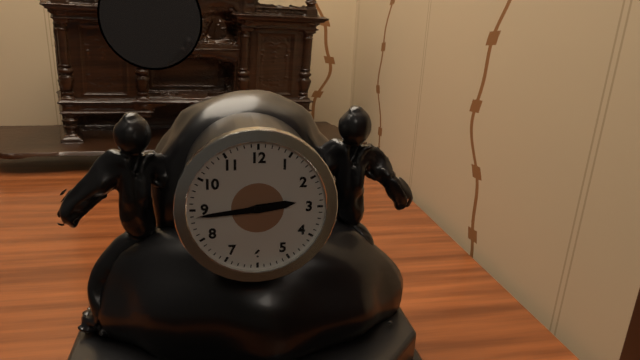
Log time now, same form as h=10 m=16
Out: h=2 m=44
